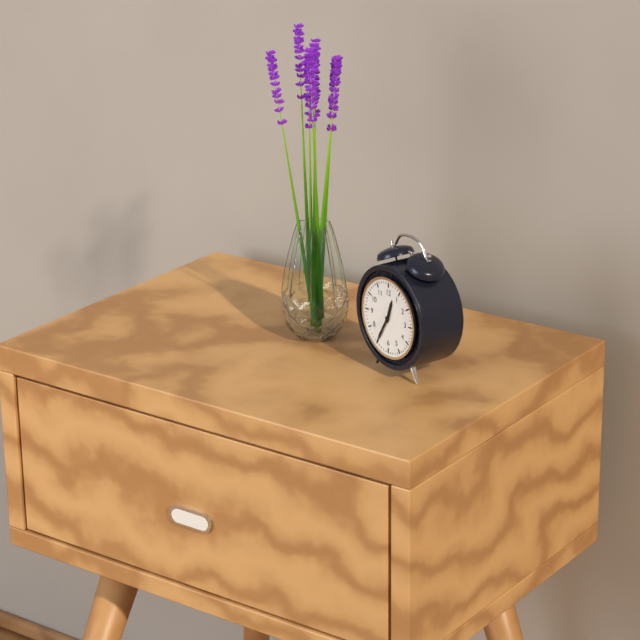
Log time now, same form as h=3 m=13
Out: h=12 m=35
